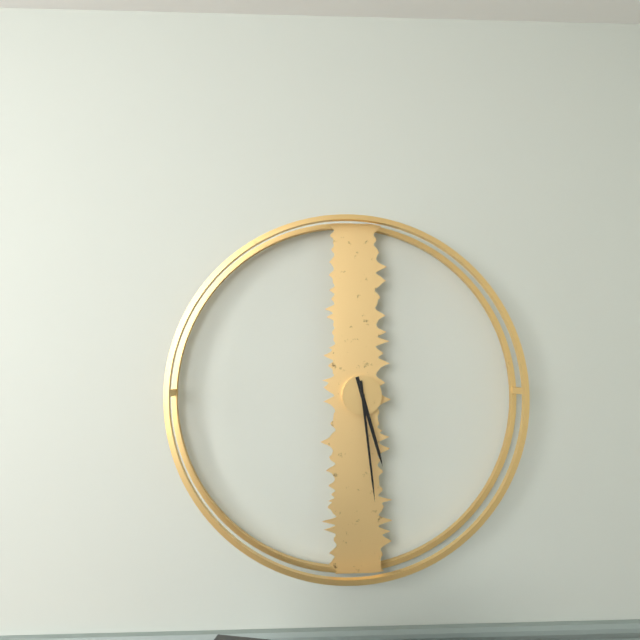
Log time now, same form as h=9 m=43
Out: h=5 m=29
